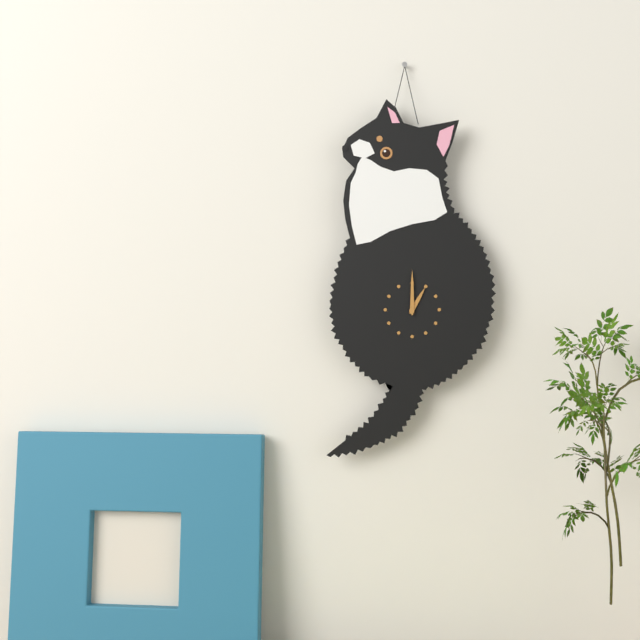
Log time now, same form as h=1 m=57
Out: h=1 m=0
